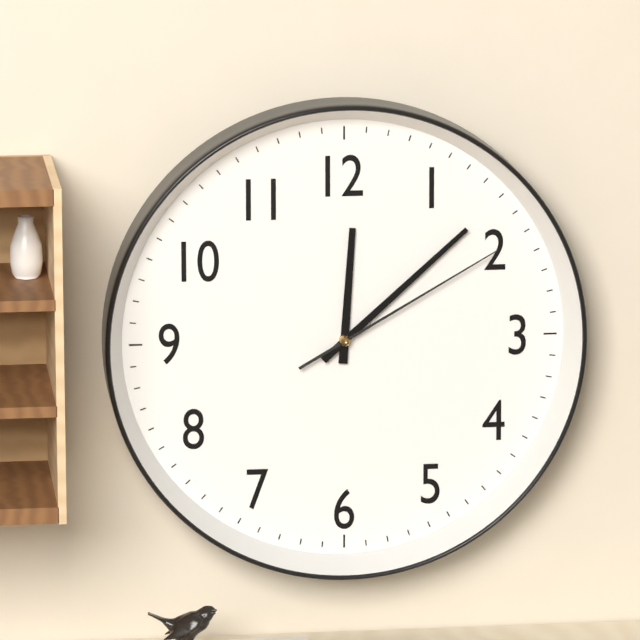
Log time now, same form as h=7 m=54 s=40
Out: h=12 m=8 s=10
